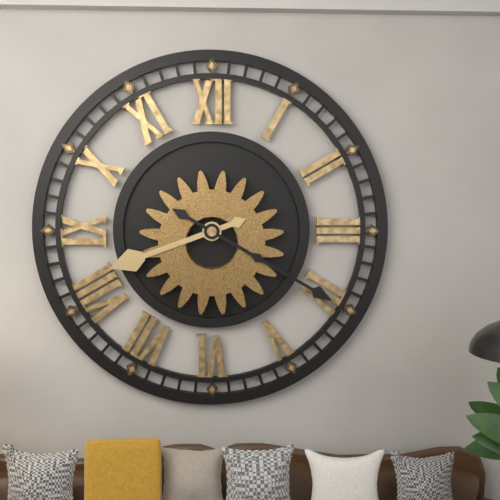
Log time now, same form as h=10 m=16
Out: h=8 m=20
